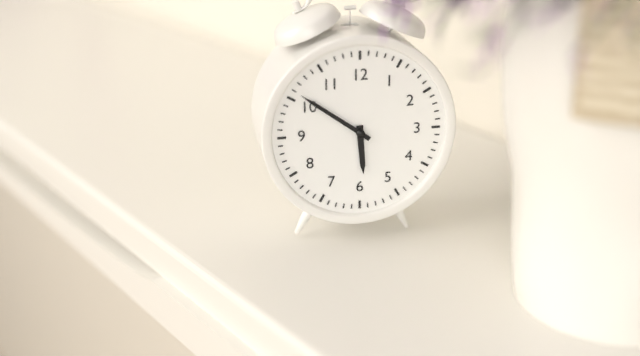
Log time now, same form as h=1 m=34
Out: h=5 m=51
